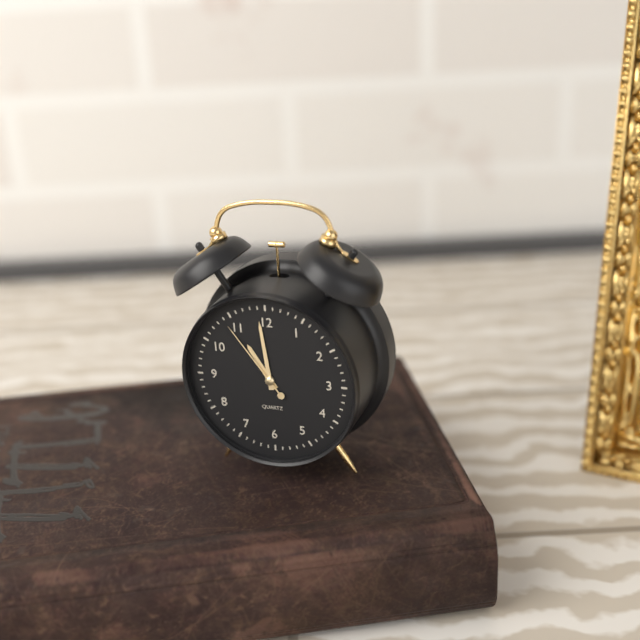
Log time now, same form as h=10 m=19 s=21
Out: h=10 m=59 s=54
